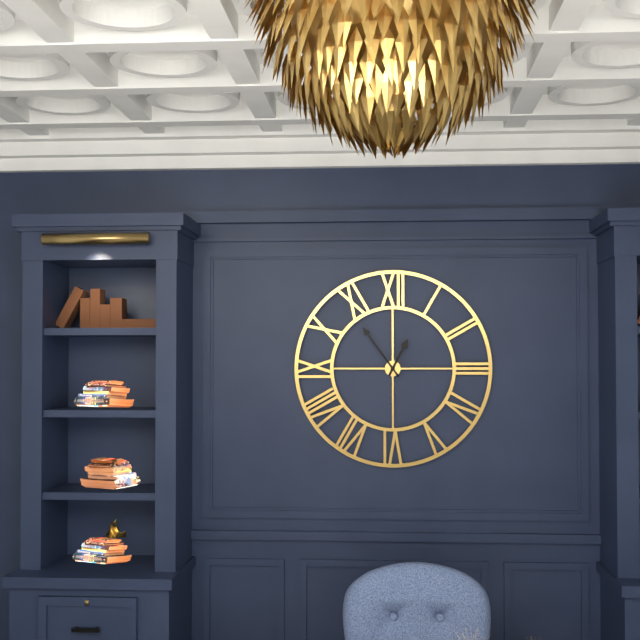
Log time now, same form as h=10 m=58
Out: h=12 m=54
